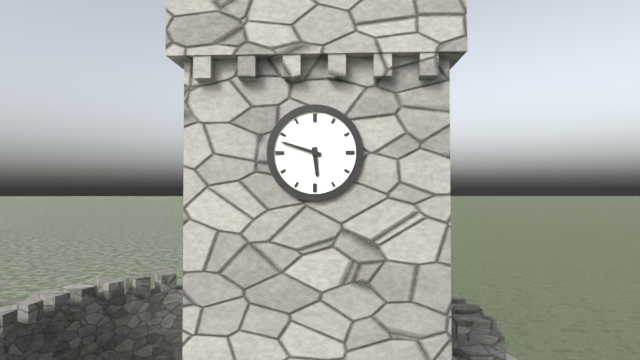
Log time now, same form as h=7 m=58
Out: h=5 m=48
